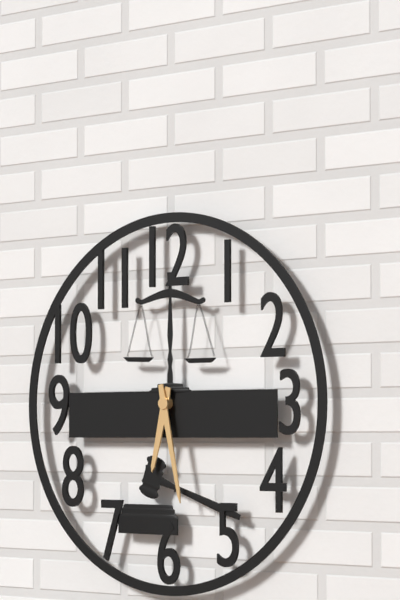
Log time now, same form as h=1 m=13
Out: h=6 m=28
